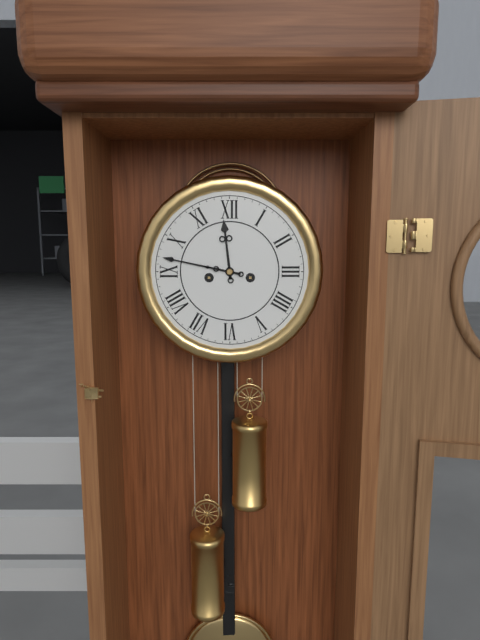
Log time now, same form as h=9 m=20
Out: h=11 m=47
